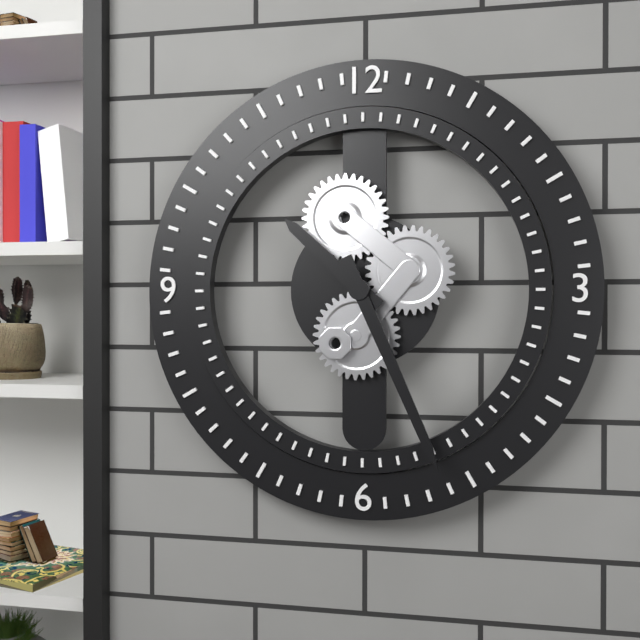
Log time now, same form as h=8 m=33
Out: h=10 m=26
